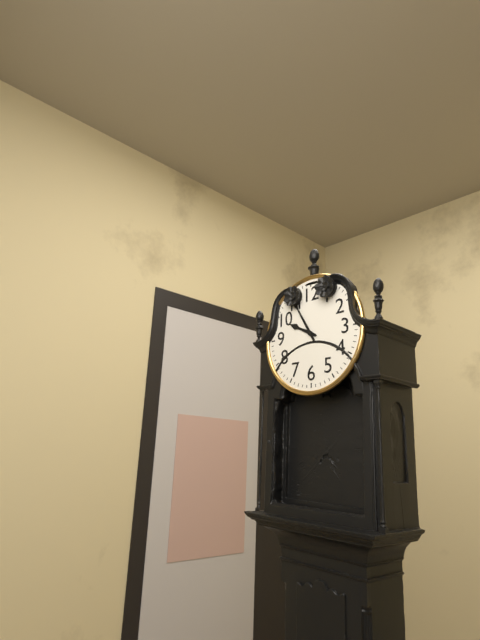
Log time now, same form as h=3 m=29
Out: h=9 m=55
